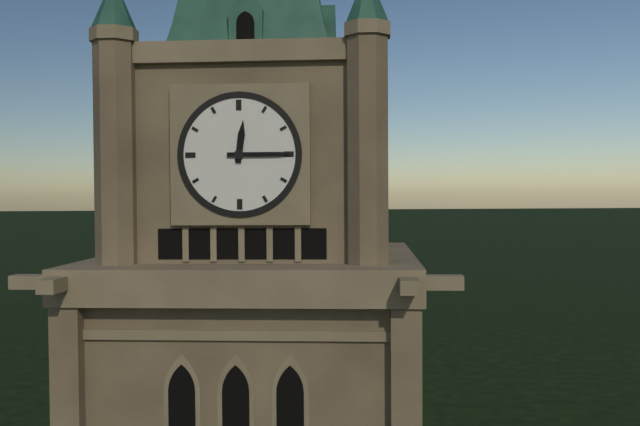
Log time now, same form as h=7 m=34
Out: h=12 m=15
